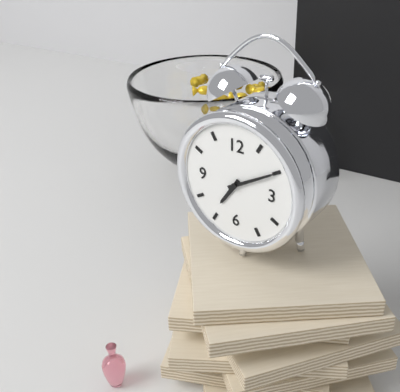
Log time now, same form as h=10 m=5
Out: h=7 m=10
